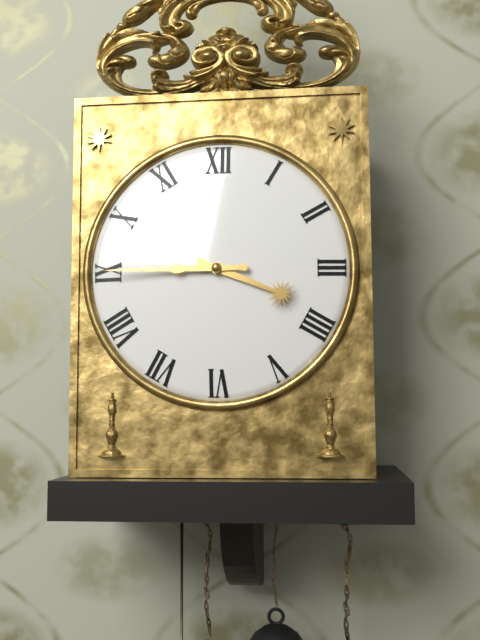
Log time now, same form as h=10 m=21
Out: h=3 m=45
